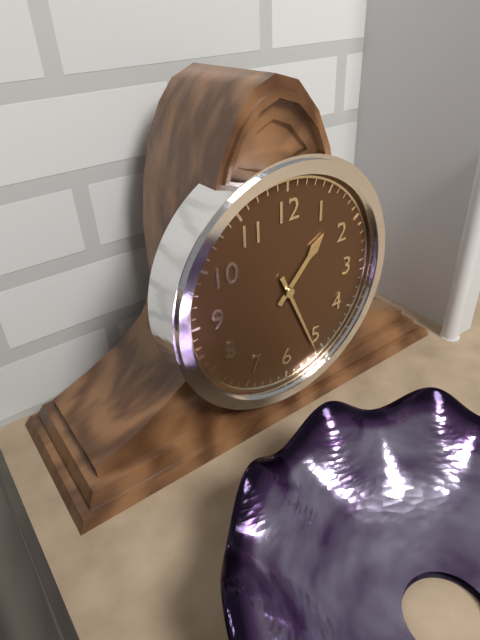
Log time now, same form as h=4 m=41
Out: h=1 m=26
